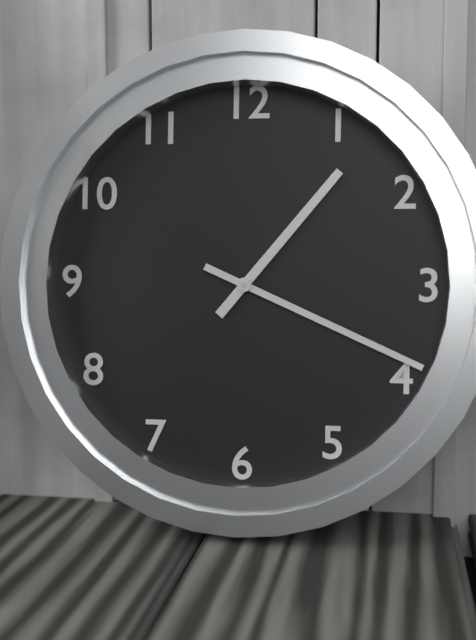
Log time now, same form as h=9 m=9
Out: h=1 m=19
